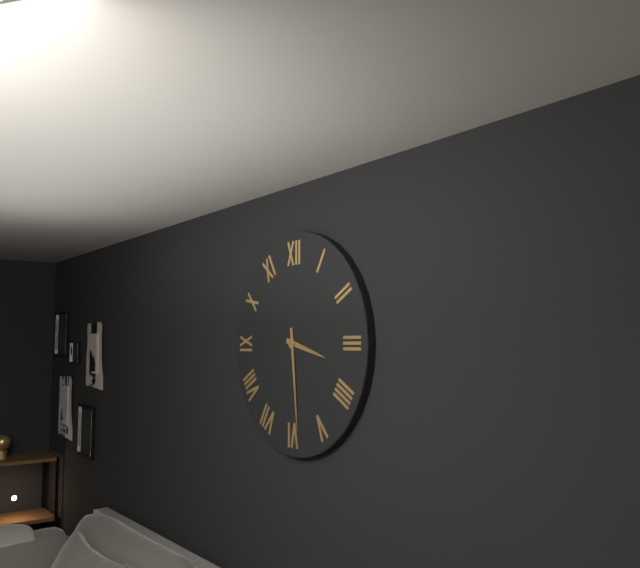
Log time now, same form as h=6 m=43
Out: h=3 m=29
